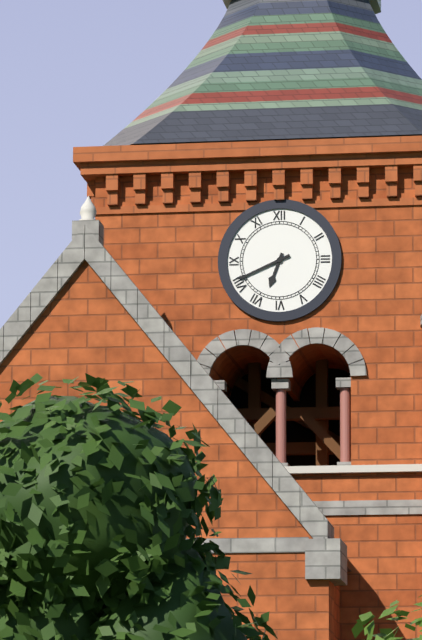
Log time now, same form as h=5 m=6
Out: h=6 m=41
